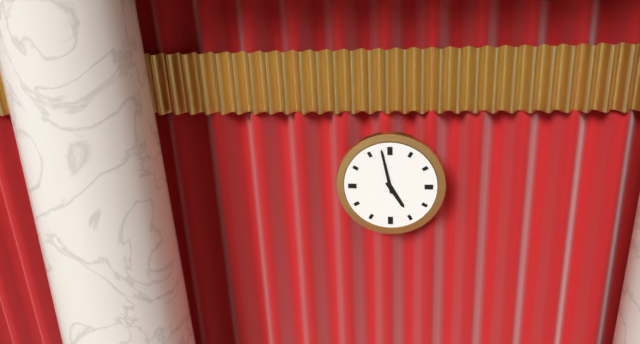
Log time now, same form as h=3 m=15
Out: h=4 m=58
